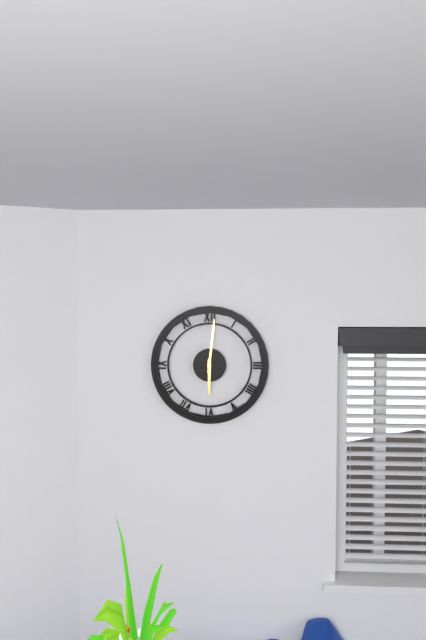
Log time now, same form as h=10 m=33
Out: h=6 m=1
